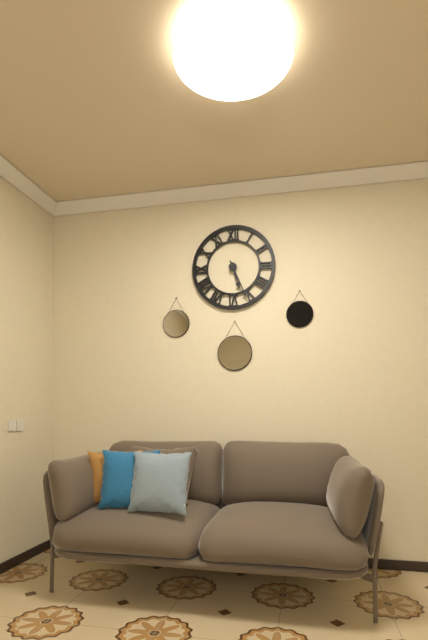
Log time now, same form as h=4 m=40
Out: h=5 m=26
